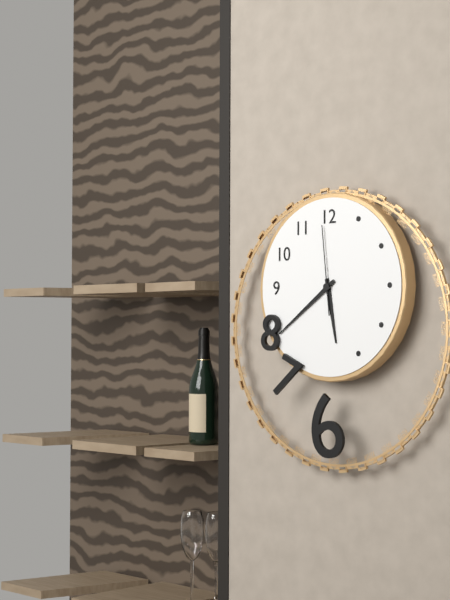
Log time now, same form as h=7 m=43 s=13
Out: h=5 m=39 s=59
